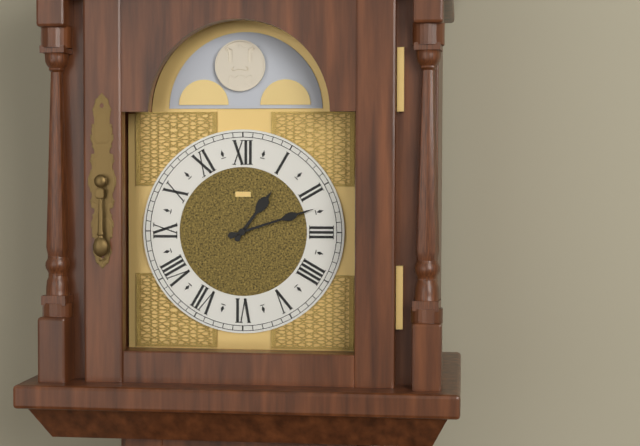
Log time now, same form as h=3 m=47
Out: h=1 m=12
